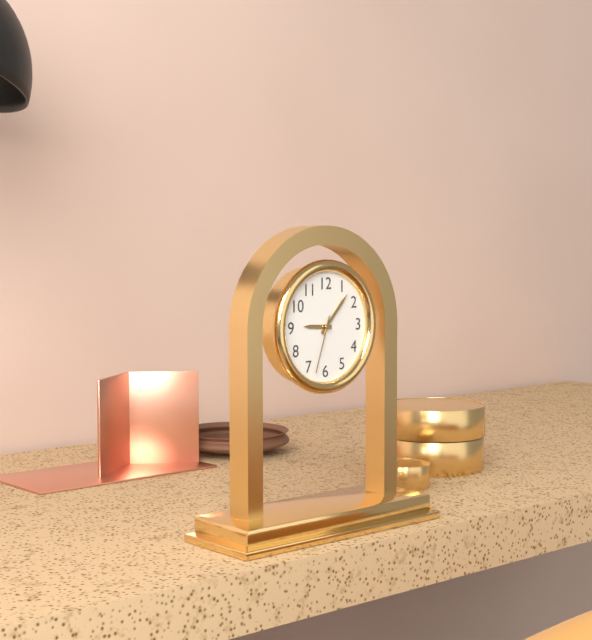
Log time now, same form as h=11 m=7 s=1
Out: h=9 m=7 s=33
